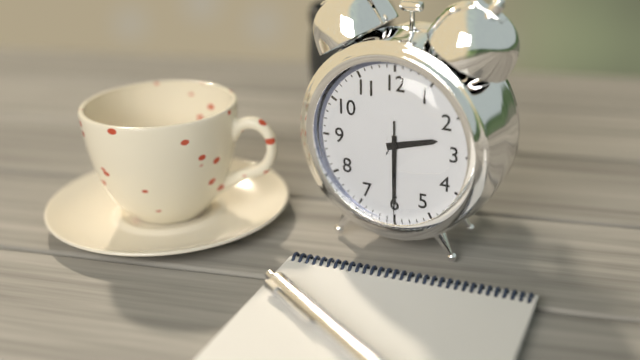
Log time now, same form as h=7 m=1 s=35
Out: h=2 m=30 s=30
